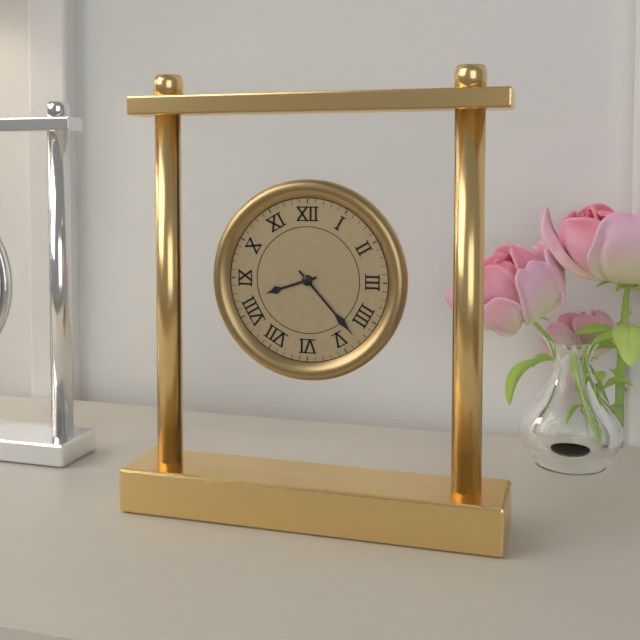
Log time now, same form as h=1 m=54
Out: h=8 m=23
